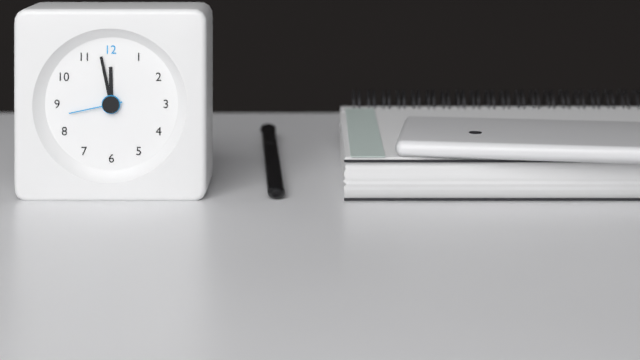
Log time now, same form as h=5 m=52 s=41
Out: h=11 m=58 s=43
